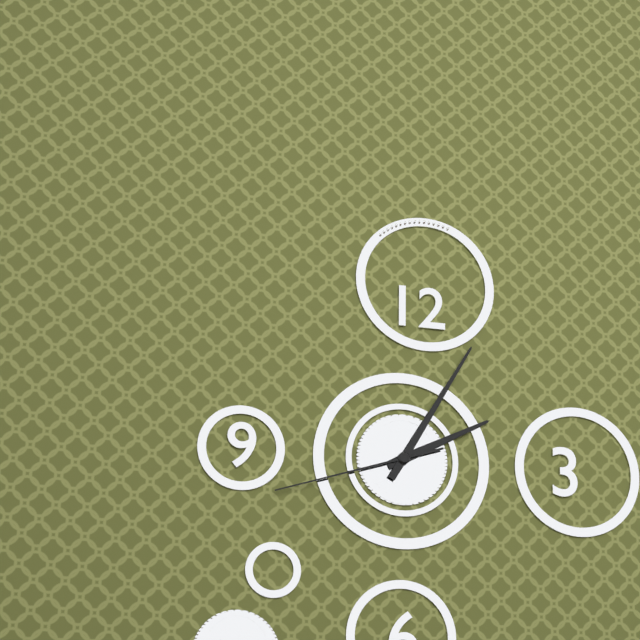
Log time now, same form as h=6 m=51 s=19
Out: h=2 m=5 s=42
